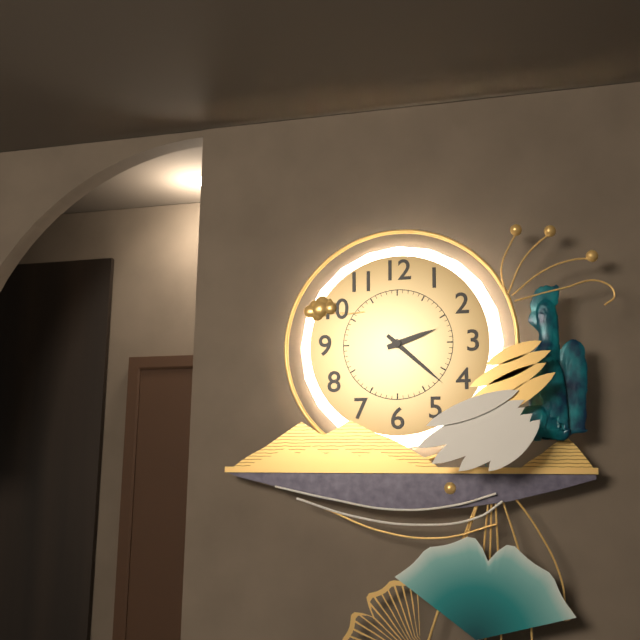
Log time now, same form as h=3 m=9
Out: h=2 m=22
